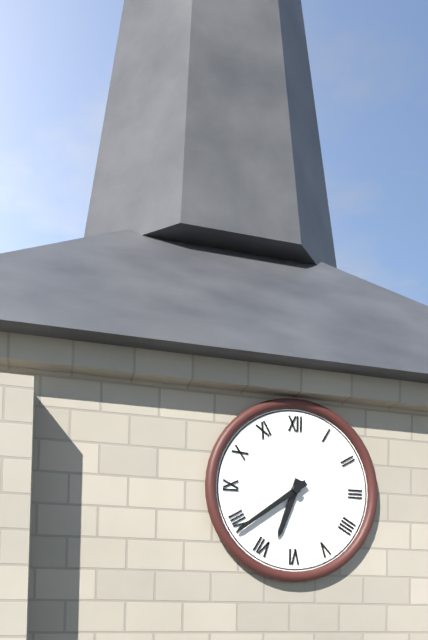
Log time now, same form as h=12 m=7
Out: h=6 m=39
